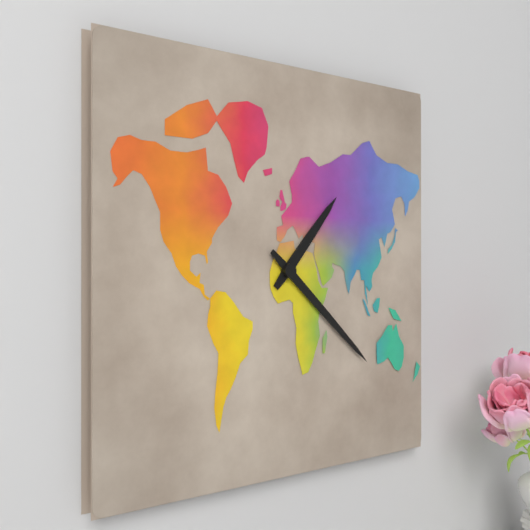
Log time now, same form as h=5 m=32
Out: h=1 m=22
